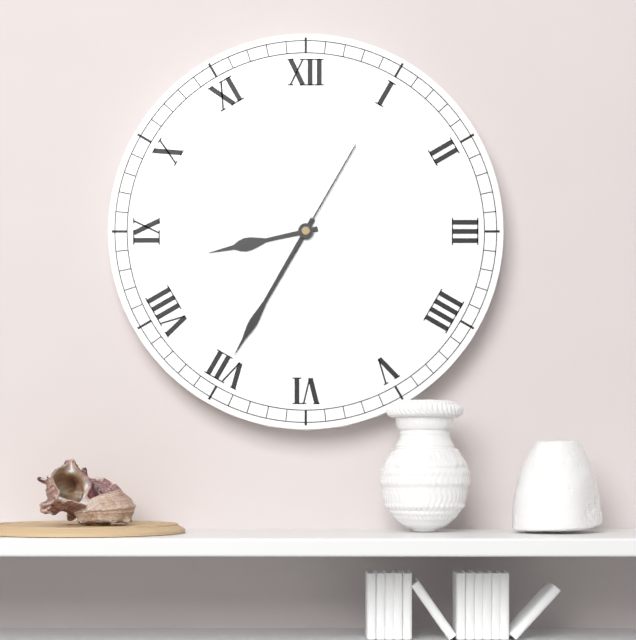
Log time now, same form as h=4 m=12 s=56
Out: h=8 m=35 s=5
